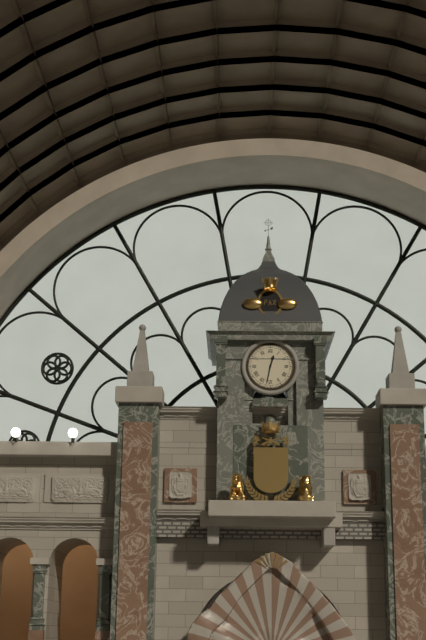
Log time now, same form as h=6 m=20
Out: h=12 m=32
